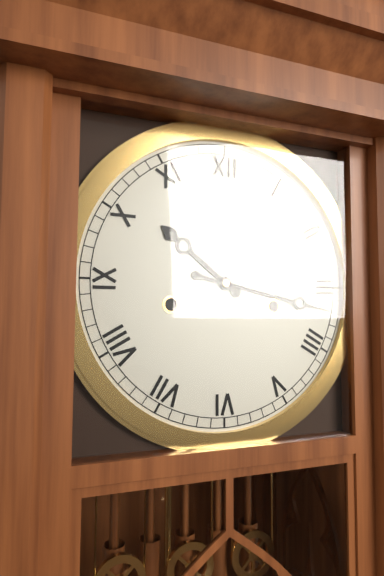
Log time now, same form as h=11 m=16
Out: h=10 m=17
